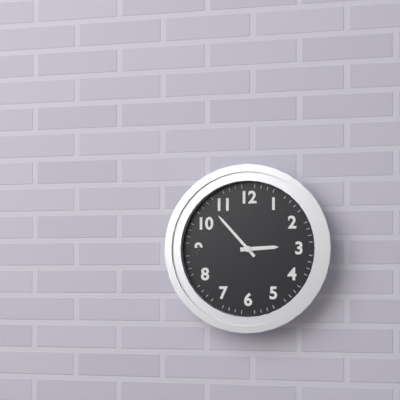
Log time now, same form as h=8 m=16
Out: h=2 m=53
